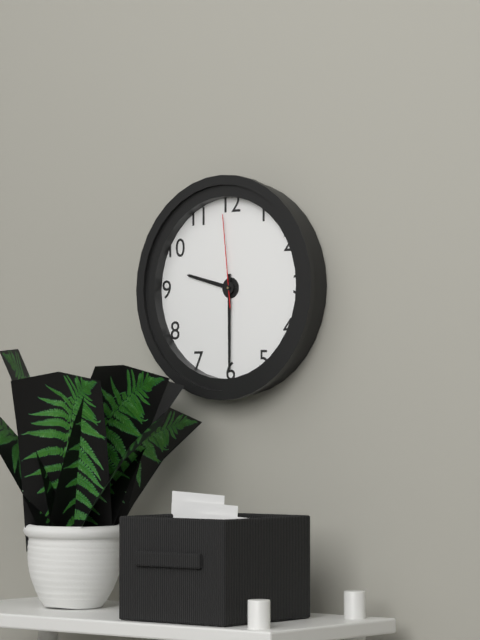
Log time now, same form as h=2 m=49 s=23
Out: h=9 m=30 s=59
